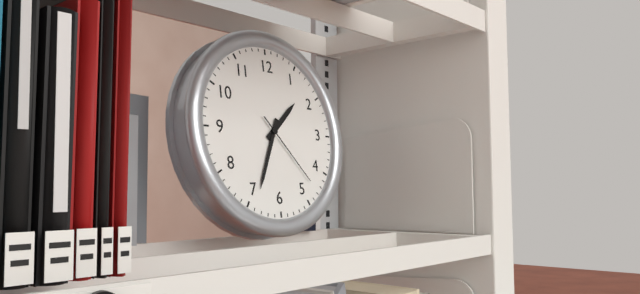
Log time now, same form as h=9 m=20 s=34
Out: h=1 m=34 s=23
